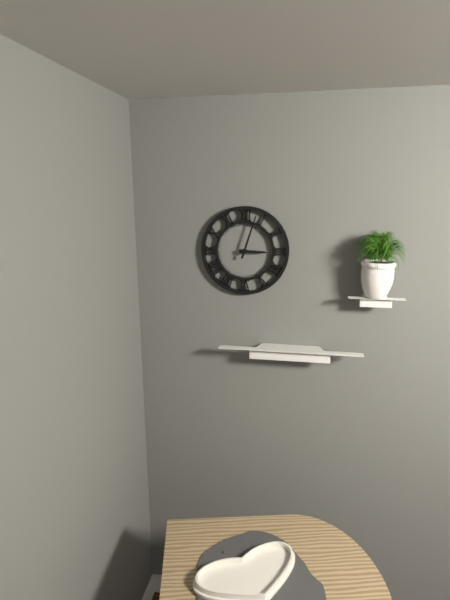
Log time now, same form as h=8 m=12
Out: h=3 m=3
